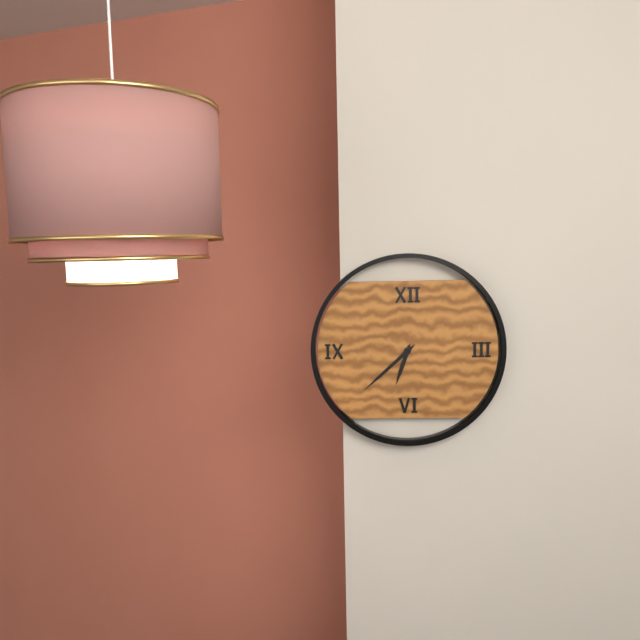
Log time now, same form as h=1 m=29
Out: h=6 m=38
